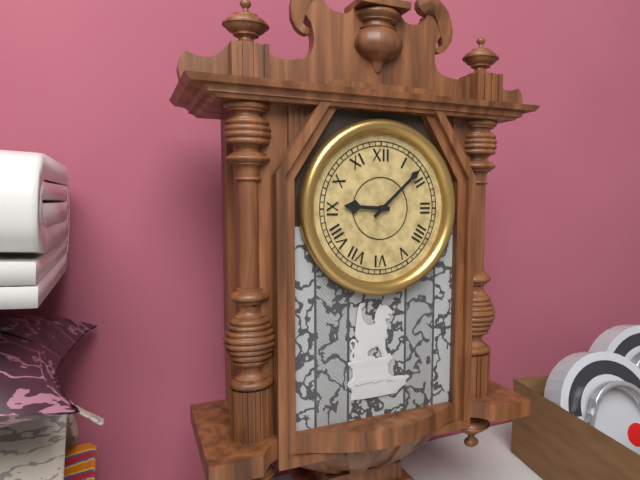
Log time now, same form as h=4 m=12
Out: h=9 m=8
